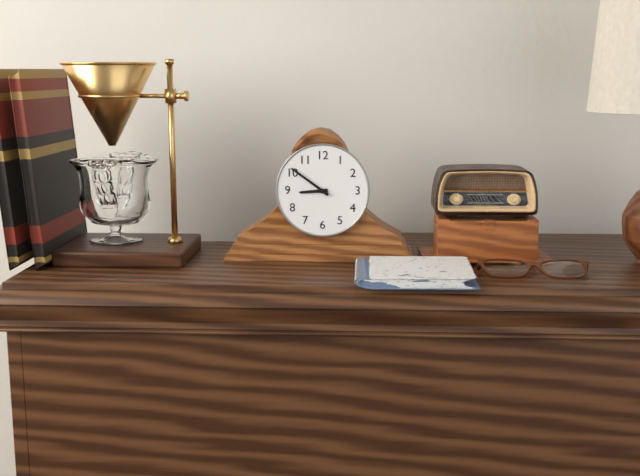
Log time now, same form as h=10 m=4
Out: h=8 m=51
